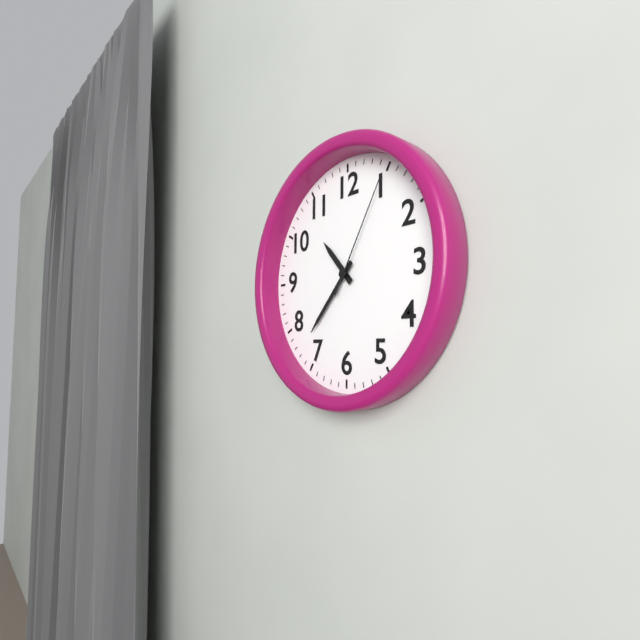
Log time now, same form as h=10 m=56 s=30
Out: h=10 m=37 s=5
